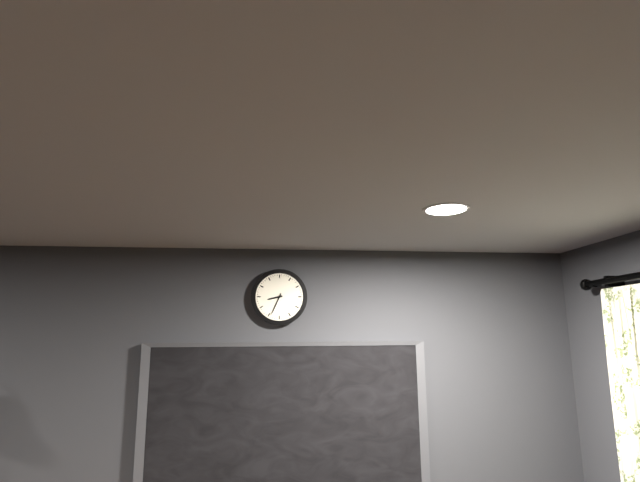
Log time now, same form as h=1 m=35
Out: h=8 m=34
